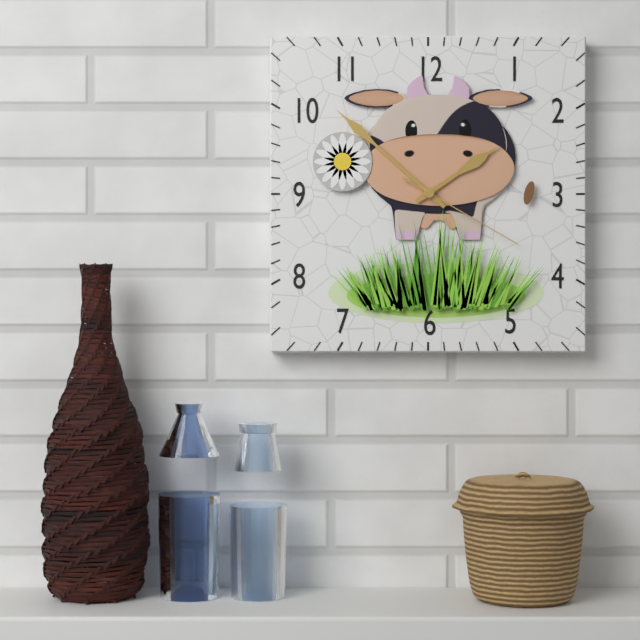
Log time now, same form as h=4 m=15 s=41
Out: h=1 m=52 s=20
